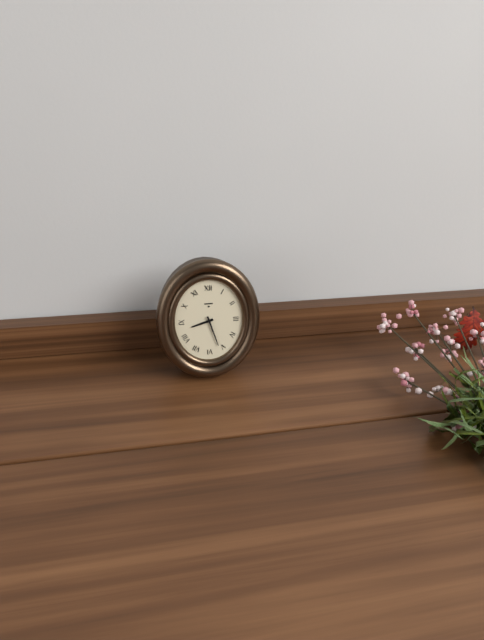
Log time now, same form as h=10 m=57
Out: h=8 m=27
